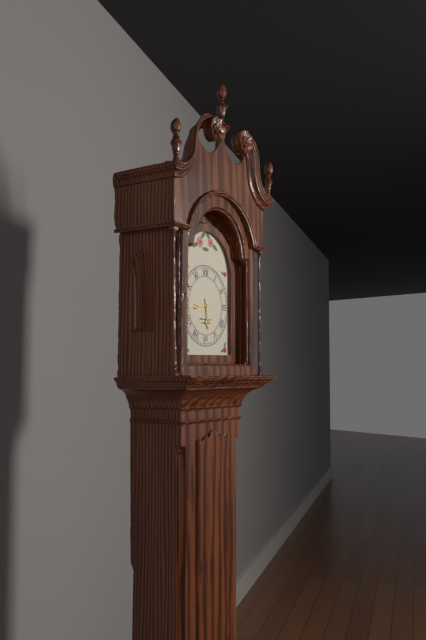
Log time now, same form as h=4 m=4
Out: h=5 m=44
